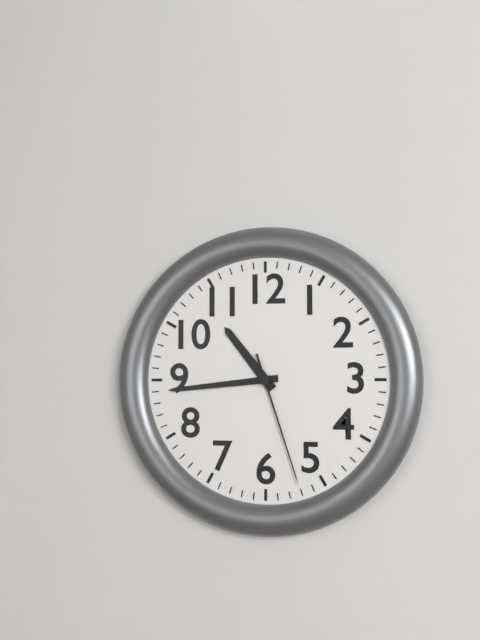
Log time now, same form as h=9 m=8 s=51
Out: h=10 m=44 s=27
